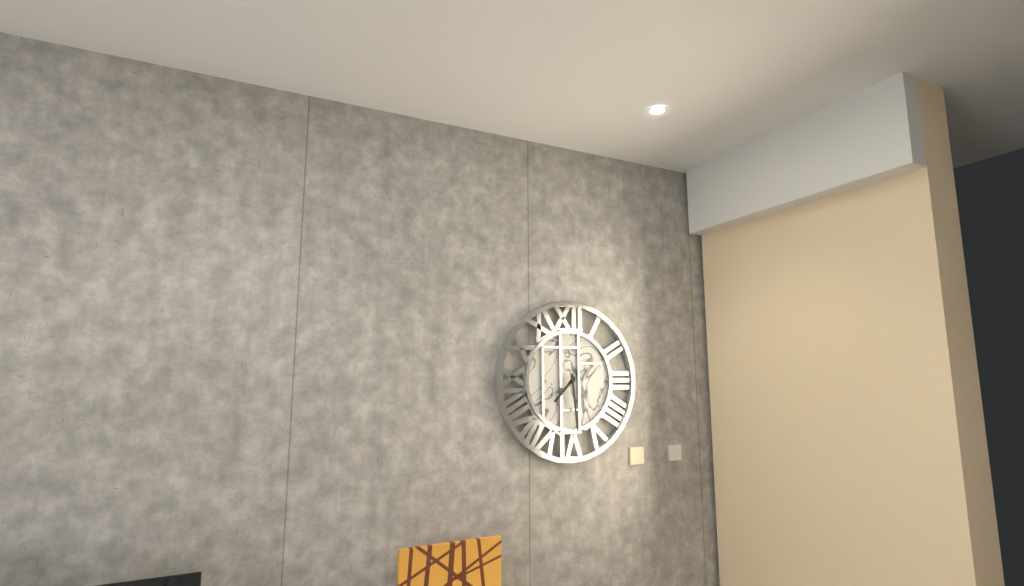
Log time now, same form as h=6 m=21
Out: h=7 m=29
